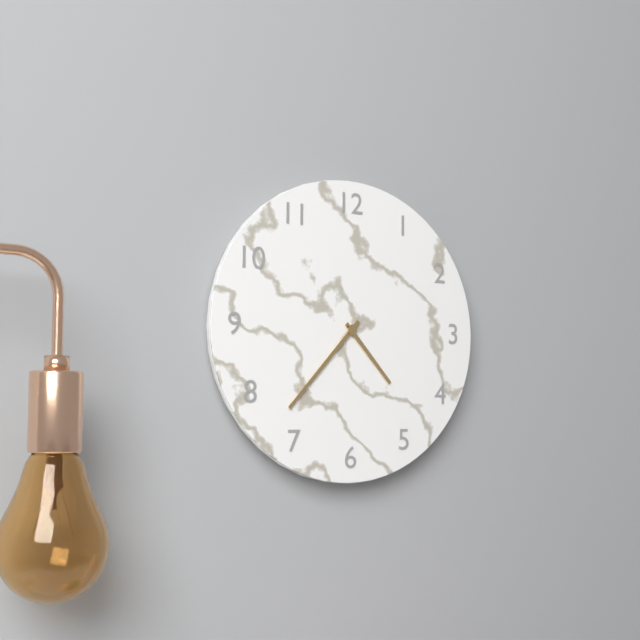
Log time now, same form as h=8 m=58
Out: h=4 m=37
